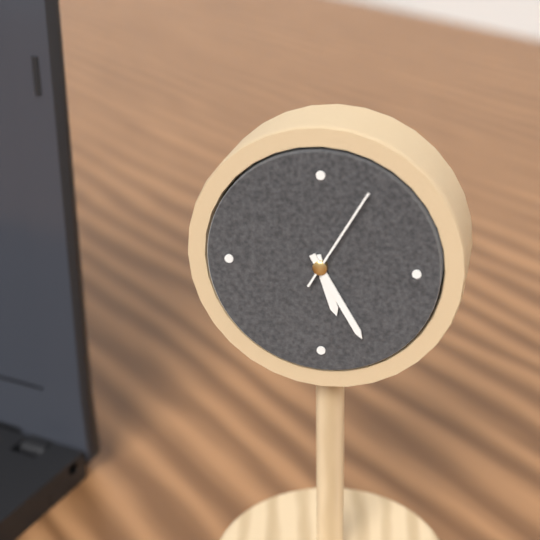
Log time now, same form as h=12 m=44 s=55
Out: h=5 m=25 s=5
